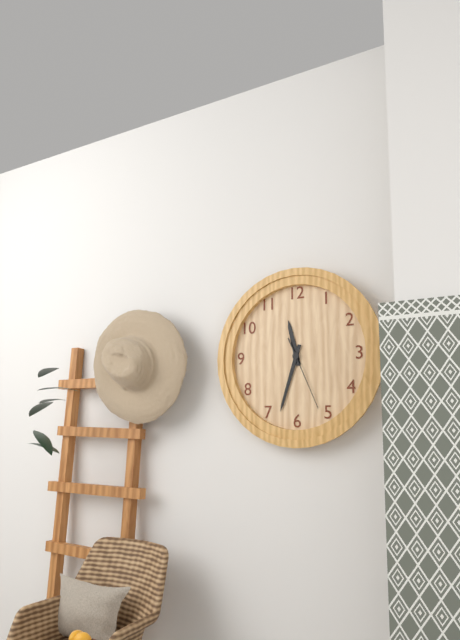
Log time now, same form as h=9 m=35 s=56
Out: h=11 m=33 s=26
